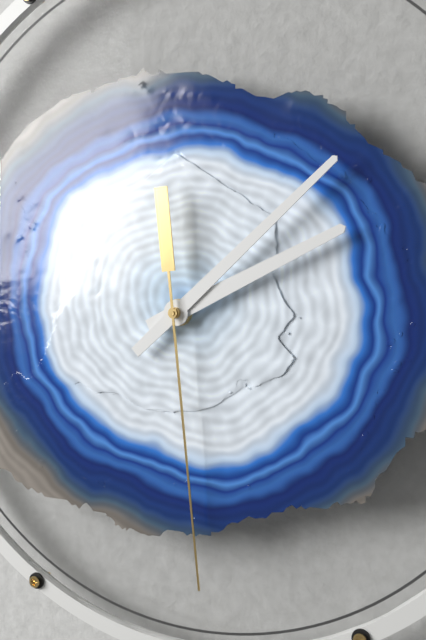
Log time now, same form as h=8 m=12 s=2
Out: h=2 m=8 s=29
